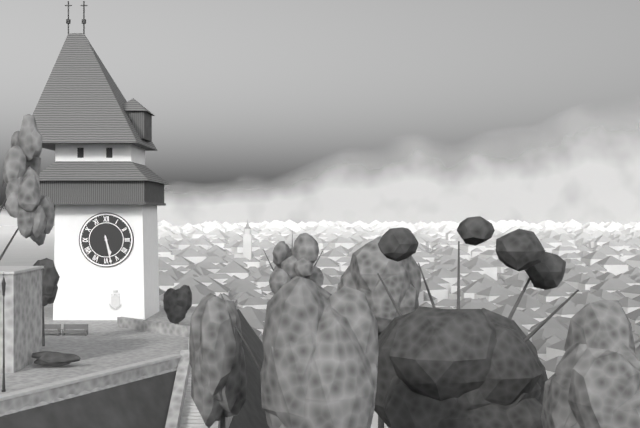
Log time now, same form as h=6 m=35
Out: h=5 m=28
